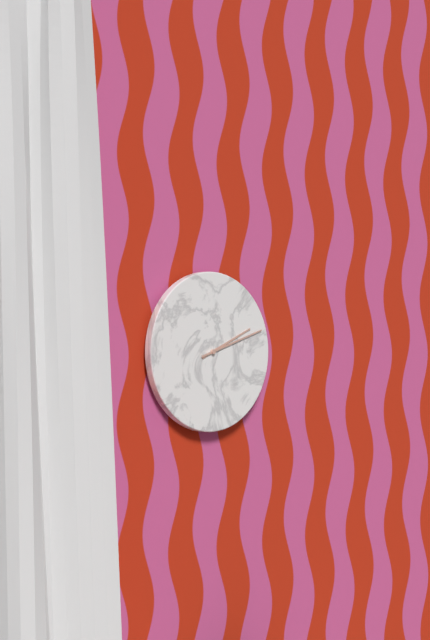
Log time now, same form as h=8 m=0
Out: h=2 m=12
